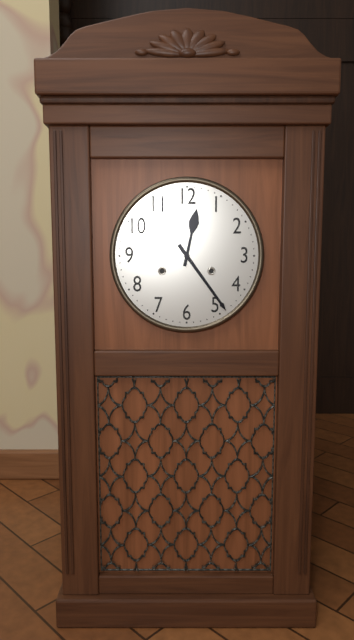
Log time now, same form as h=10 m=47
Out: h=12 m=24
